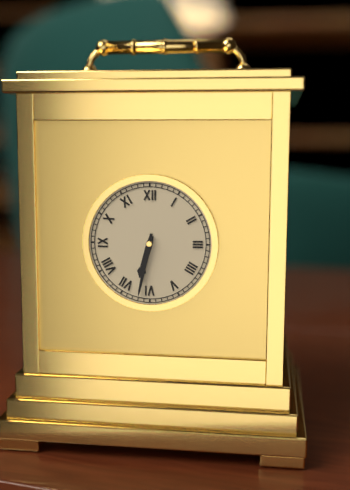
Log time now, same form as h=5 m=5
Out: h=6 m=32
